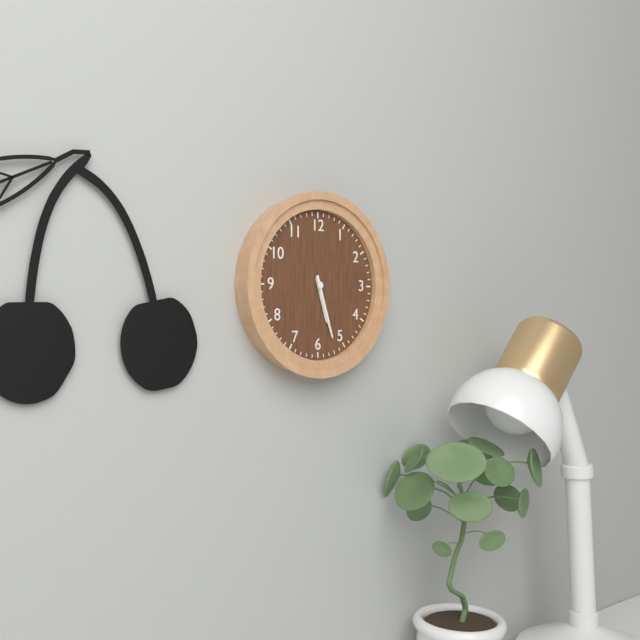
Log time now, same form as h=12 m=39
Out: h=5 m=27
